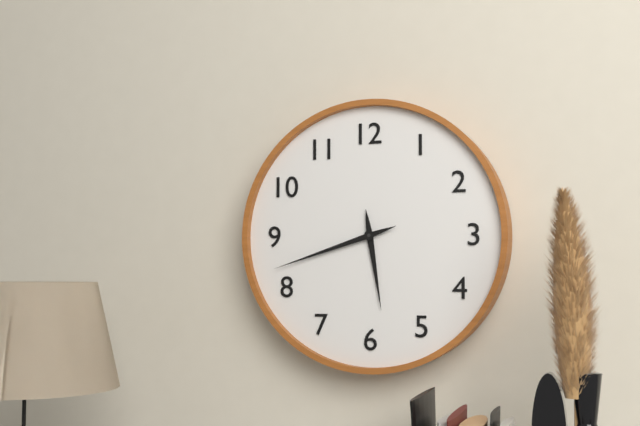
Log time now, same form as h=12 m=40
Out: h=5 m=42
